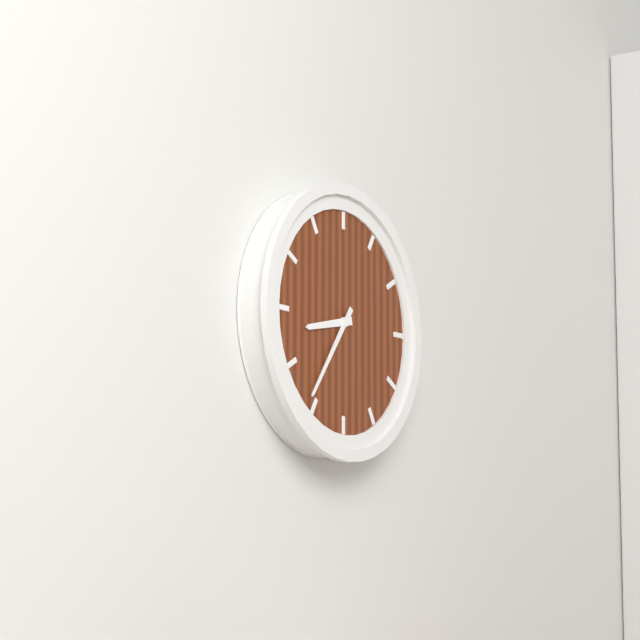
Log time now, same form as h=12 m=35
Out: h=8 m=36
